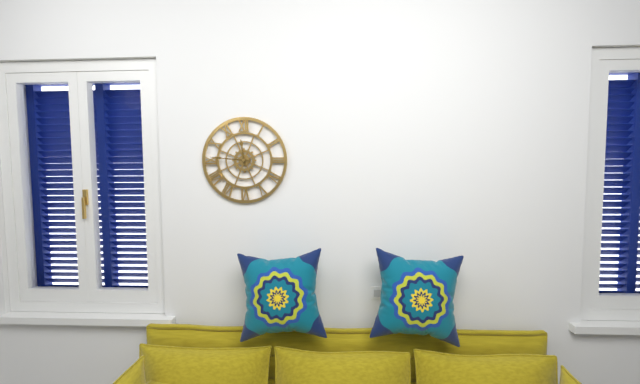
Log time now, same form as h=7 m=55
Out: h=11 m=46
